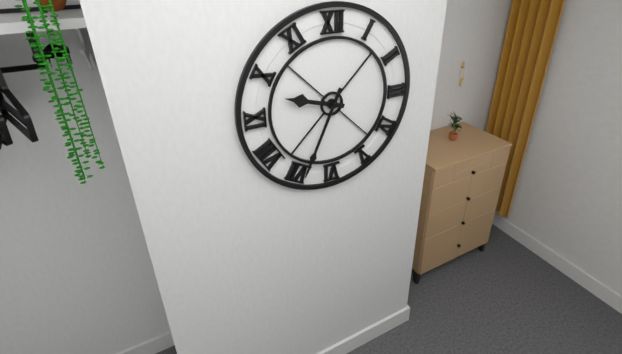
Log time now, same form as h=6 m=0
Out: h=9 m=34
